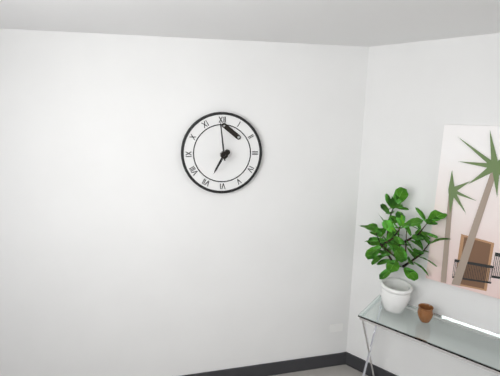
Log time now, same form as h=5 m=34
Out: h=6 m=59
